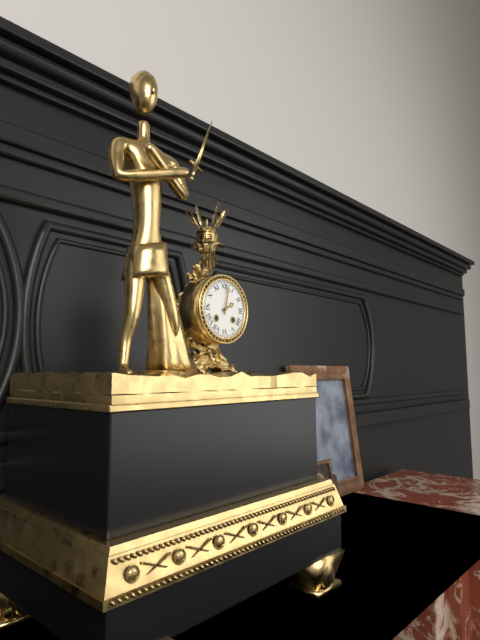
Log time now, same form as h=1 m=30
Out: h=2 m=2
